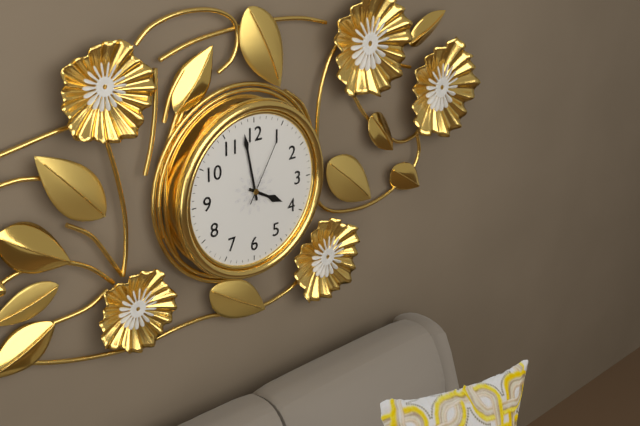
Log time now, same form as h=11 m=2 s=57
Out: h=3 m=58 s=5
